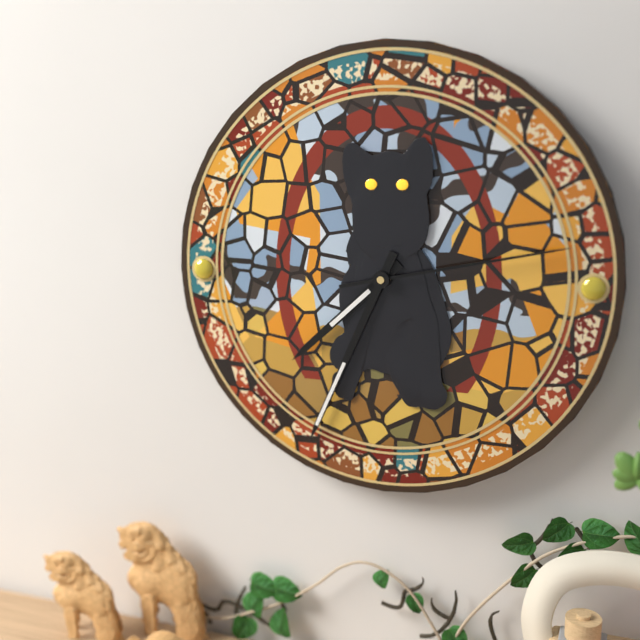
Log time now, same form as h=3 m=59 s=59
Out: h=7 m=34 s=13
